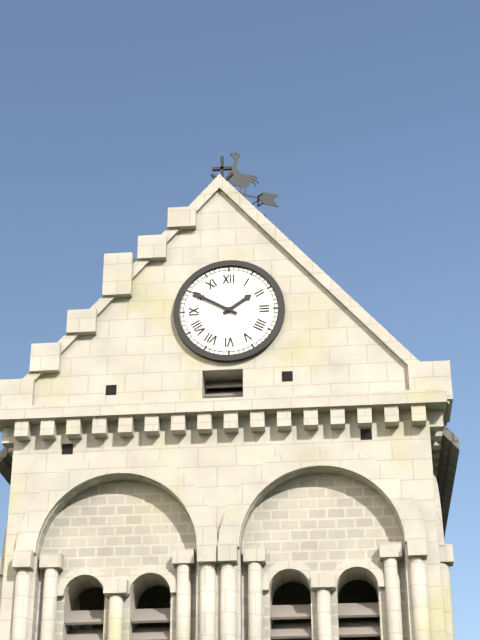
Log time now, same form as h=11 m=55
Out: h=1 m=50
